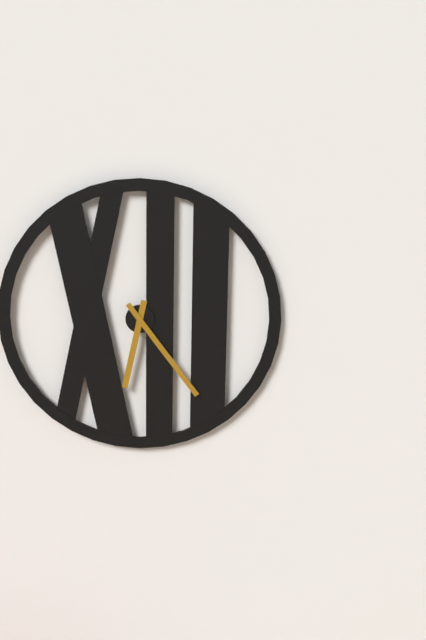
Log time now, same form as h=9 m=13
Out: h=6 m=24
